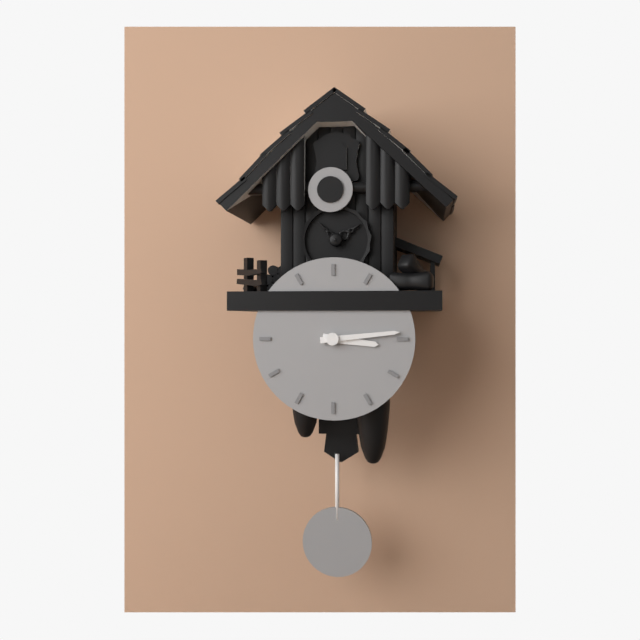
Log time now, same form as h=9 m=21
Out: h=3 m=14
